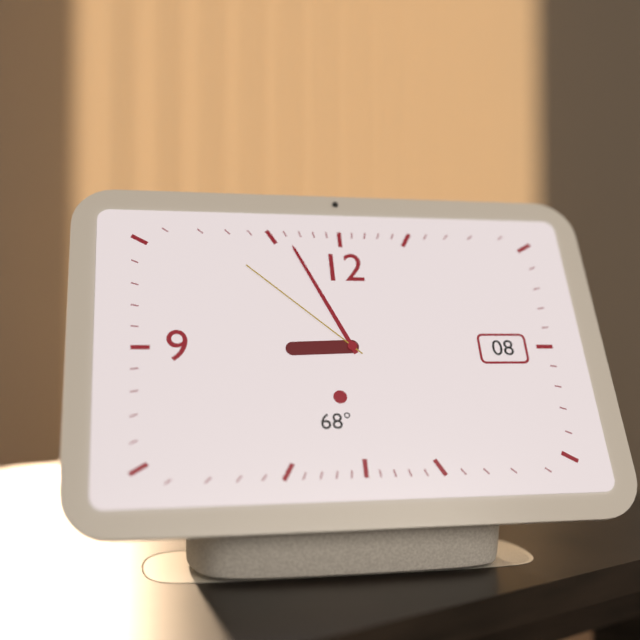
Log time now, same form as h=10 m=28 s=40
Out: h=8 m=56 s=52
